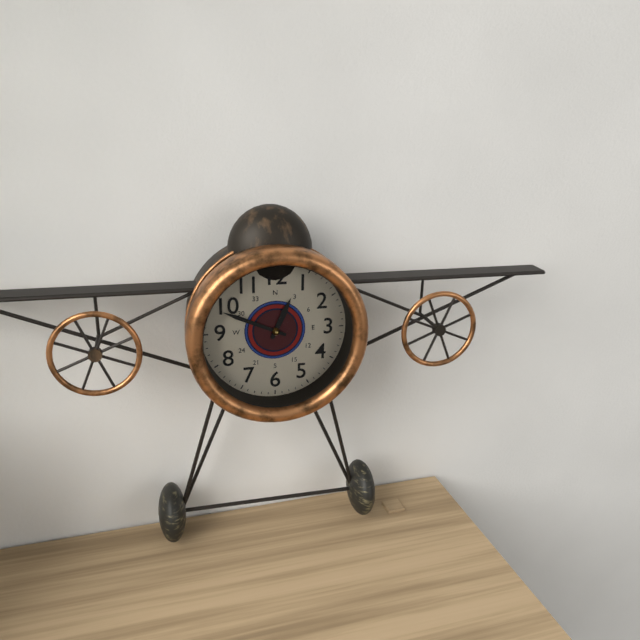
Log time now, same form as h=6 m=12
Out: h=12 m=49
